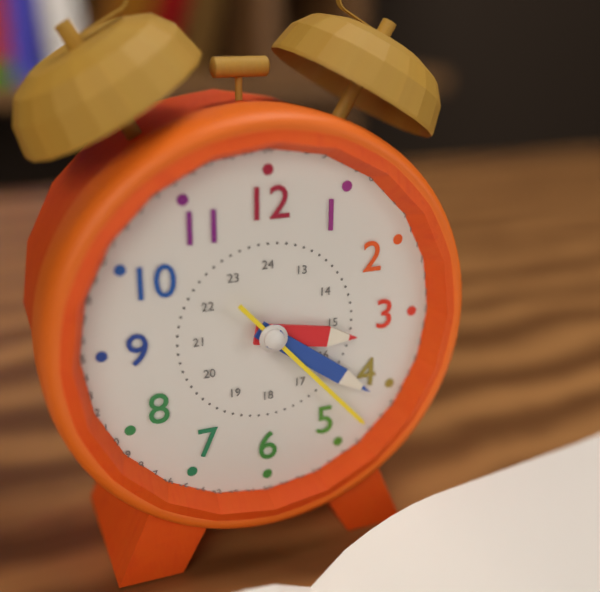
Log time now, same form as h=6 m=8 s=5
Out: h=3 m=21 s=23
